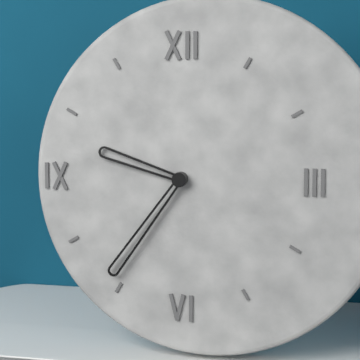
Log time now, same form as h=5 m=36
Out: h=9 m=36
